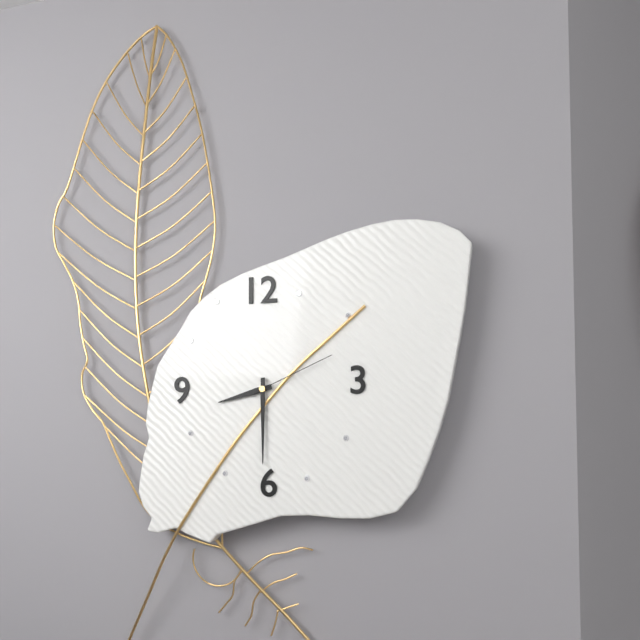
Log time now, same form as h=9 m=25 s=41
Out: h=8 m=30 s=11
